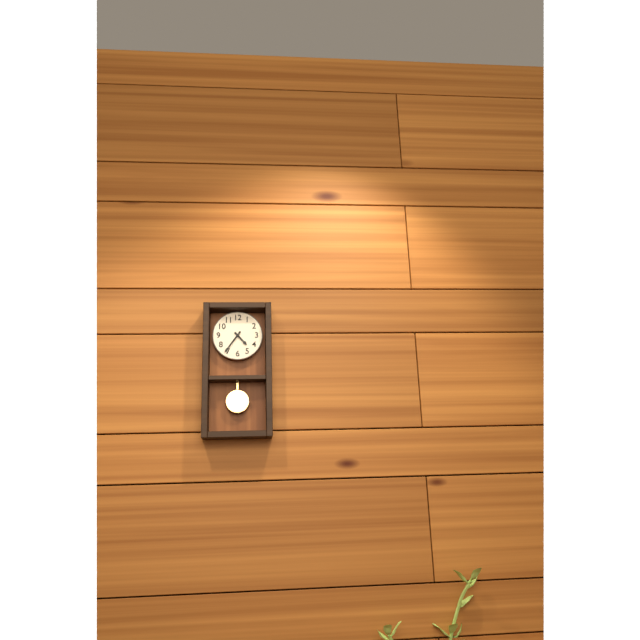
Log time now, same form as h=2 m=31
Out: h=4 m=36
